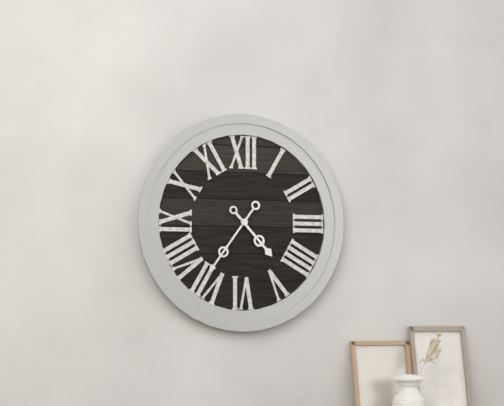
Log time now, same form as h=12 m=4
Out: h=4 m=36
